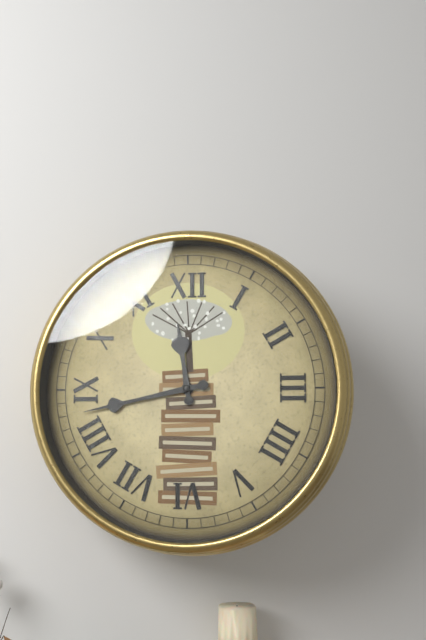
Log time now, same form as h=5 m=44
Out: h=11 m=43
